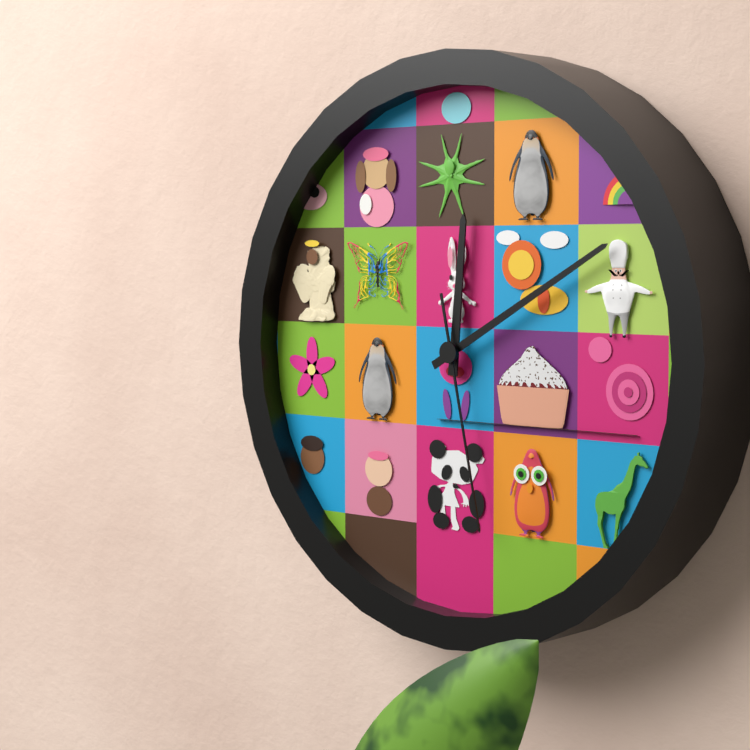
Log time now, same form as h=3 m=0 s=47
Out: h=12 m=10 s=28
